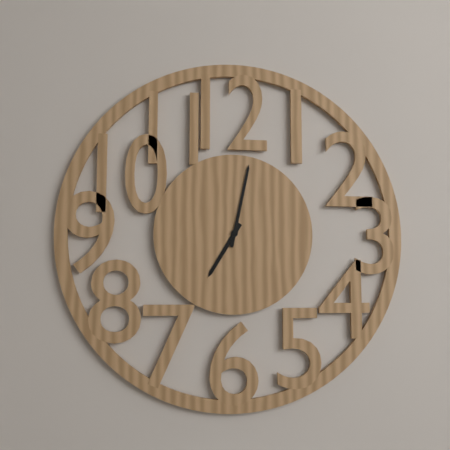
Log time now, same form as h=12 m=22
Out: h=7 m=2
